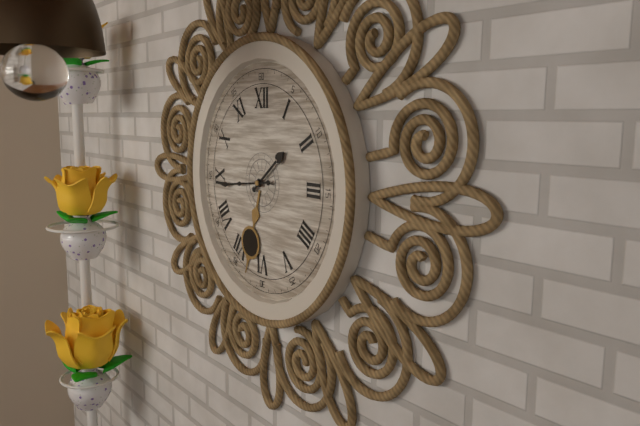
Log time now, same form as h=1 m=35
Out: h=1 m=44
